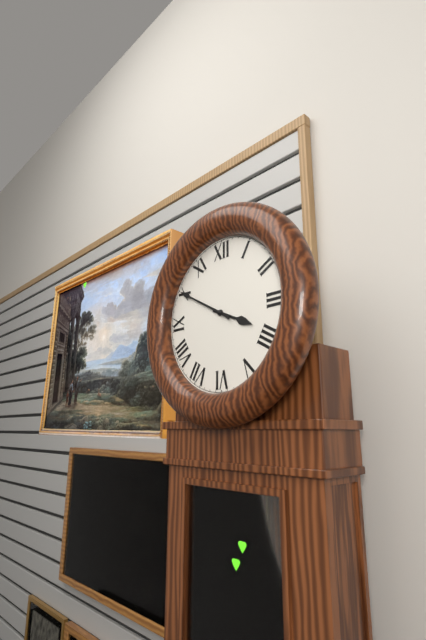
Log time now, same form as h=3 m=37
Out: h=3 m=50
